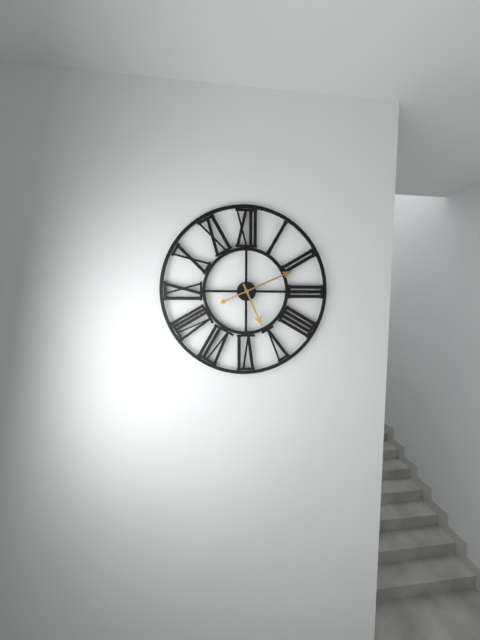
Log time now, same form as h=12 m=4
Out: h=5 m=11
